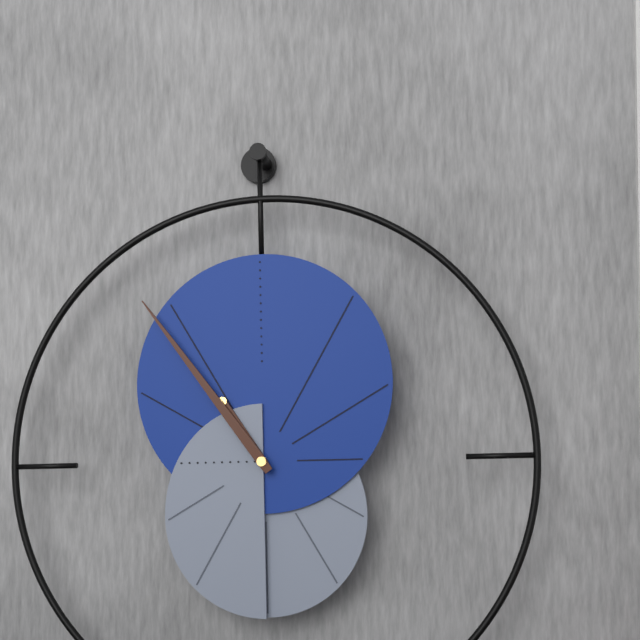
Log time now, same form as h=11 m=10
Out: h=10 m=54
